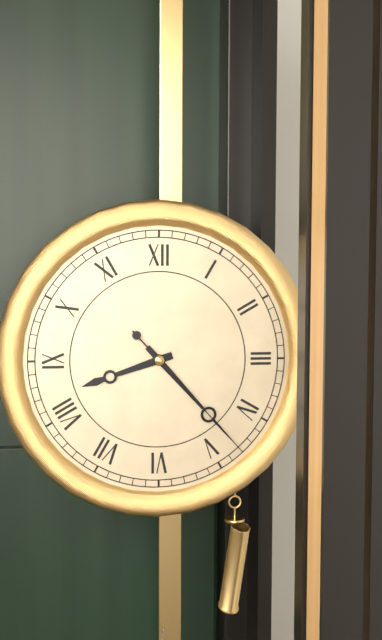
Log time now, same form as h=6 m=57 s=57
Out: h=8 m=23 s=23
